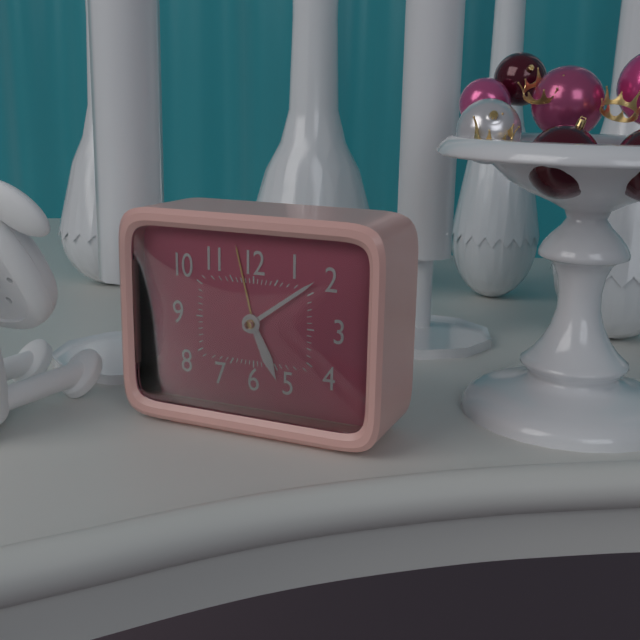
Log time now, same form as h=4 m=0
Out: h=5 m=9
